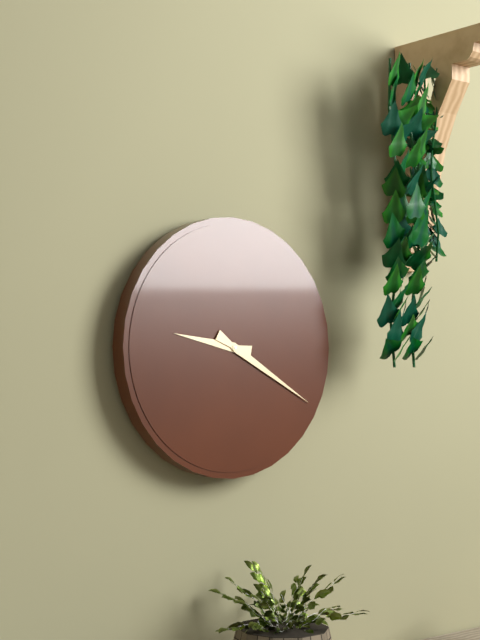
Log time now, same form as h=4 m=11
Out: h=9 m=20
